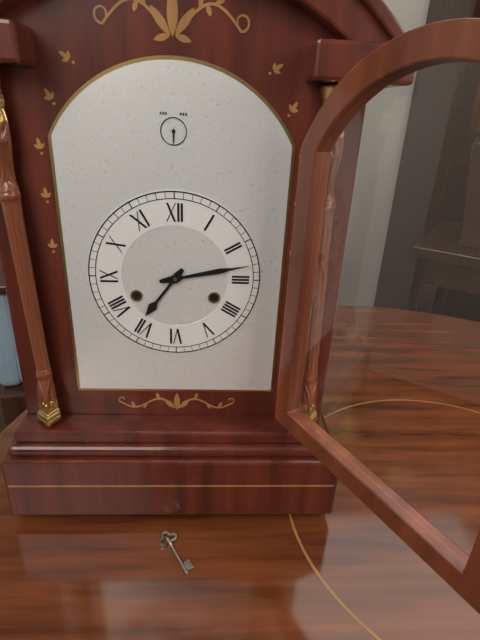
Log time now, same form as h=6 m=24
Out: h=7 m=13
